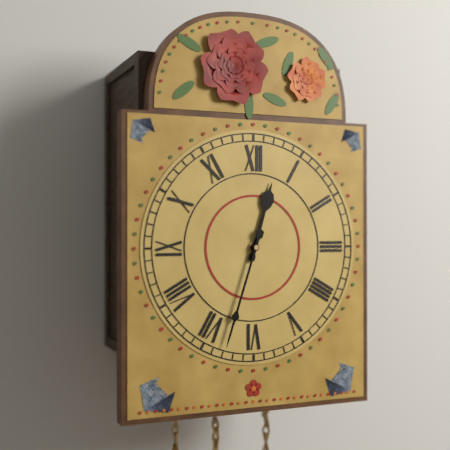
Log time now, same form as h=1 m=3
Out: h=12 m=33
